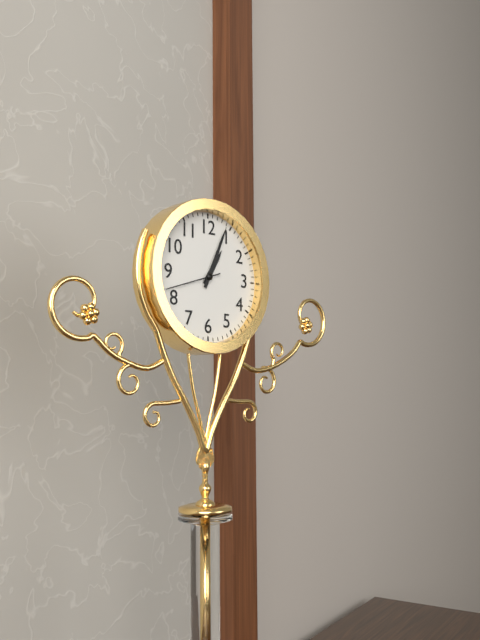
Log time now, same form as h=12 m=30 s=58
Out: h=1 m=4 s=42
